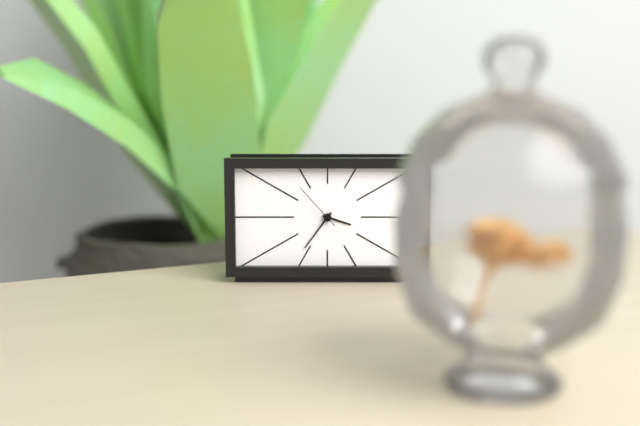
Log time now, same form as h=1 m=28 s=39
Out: h=3 m=36 s=53
